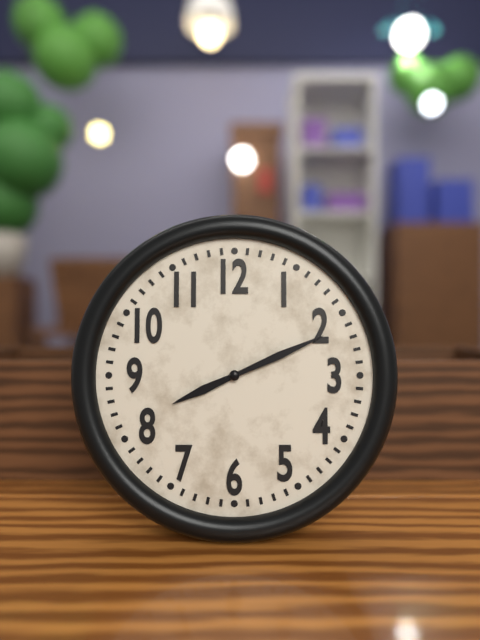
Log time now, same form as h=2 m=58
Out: h=8 m=11
